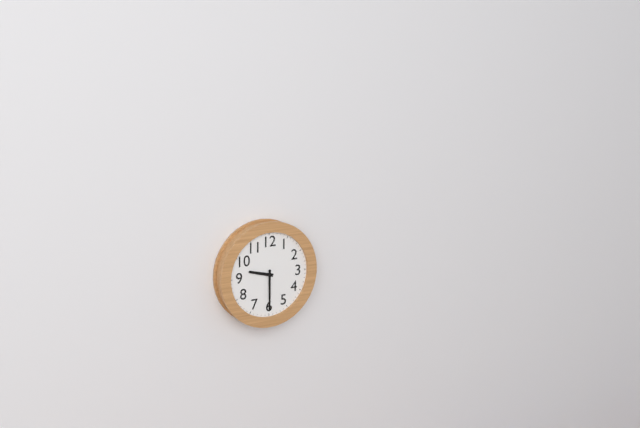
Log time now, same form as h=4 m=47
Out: h=9 m=30
